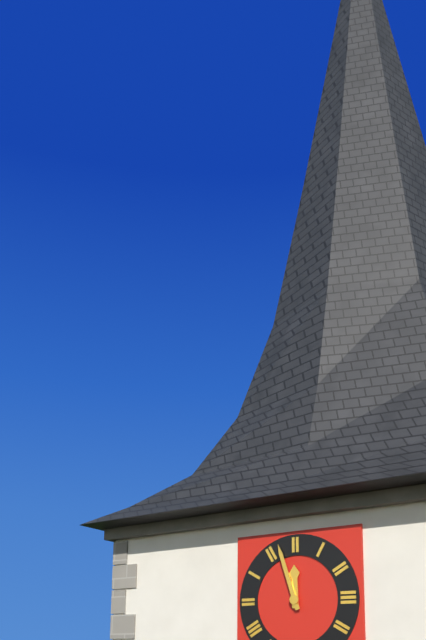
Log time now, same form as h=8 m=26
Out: h=11 m=57
